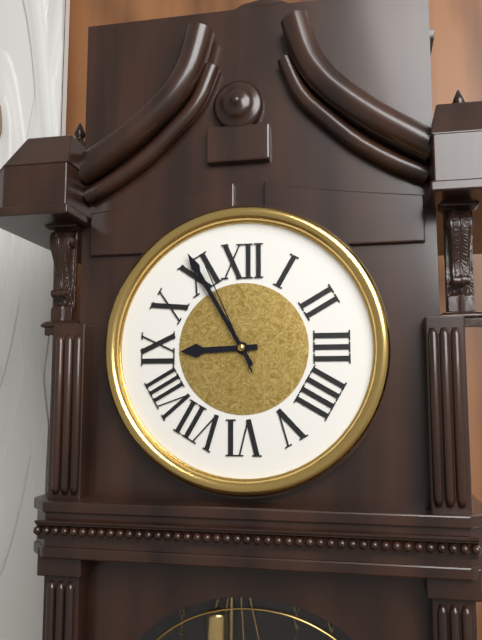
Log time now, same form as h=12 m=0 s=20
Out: h=8 m=55 s=56
